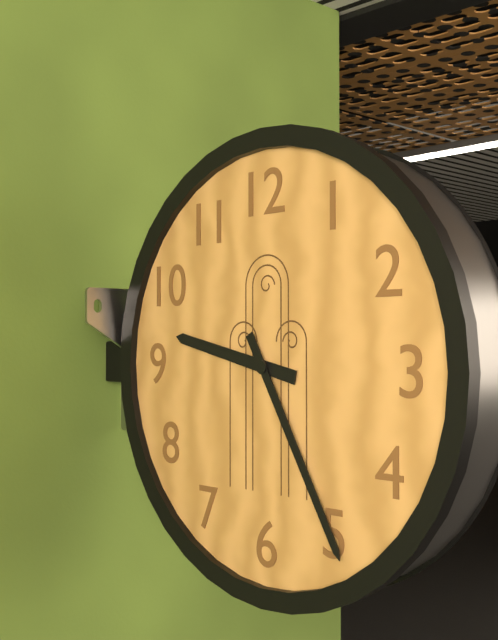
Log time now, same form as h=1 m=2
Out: h=9 m=25
